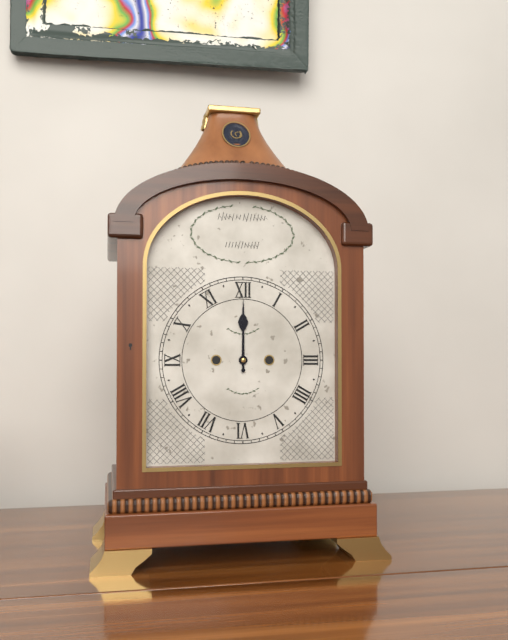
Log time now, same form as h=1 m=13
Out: h=12 m=0
